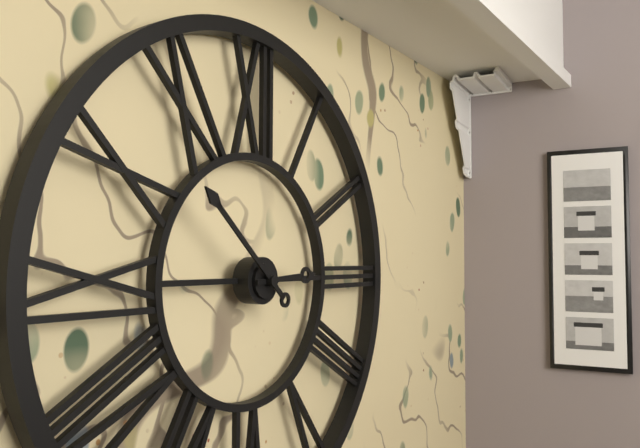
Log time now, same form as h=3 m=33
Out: h=2 m=52
